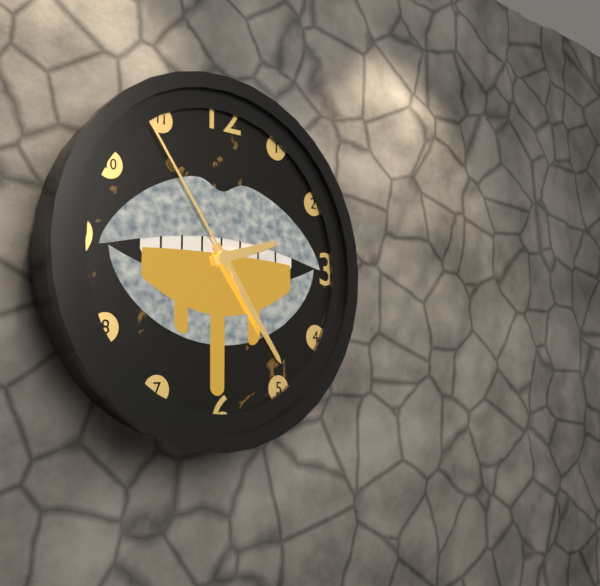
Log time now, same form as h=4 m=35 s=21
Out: h=2 m=24 s=54
